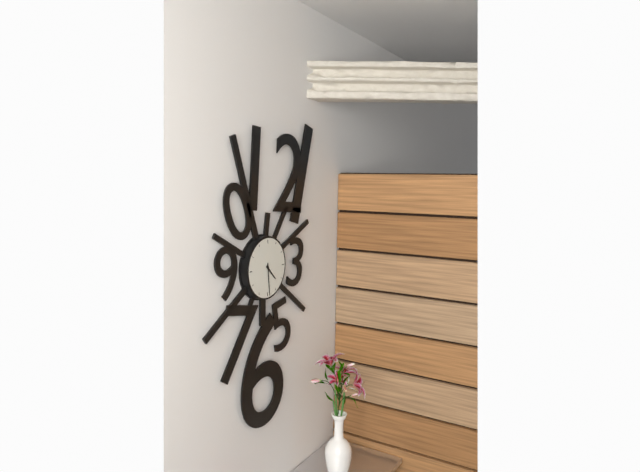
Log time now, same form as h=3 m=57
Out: h=4 m=29
